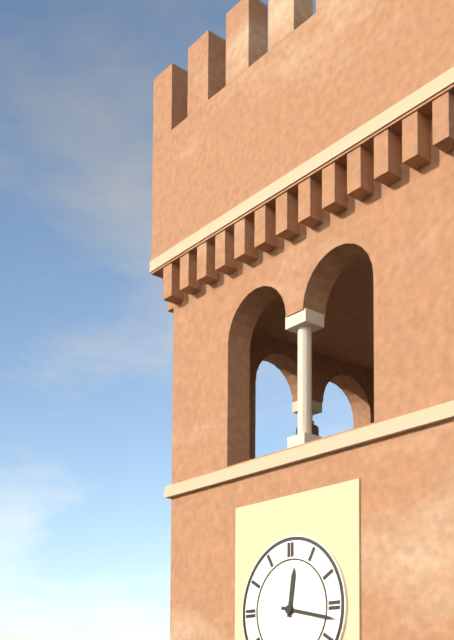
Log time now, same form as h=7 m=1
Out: h=12 m=17
